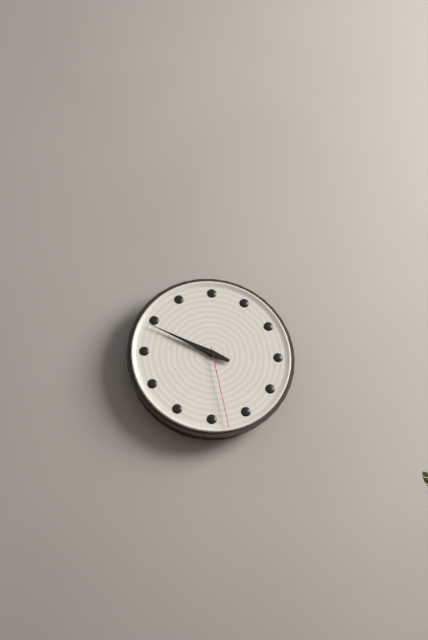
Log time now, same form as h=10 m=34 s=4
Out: h=9 m=49 s=28
